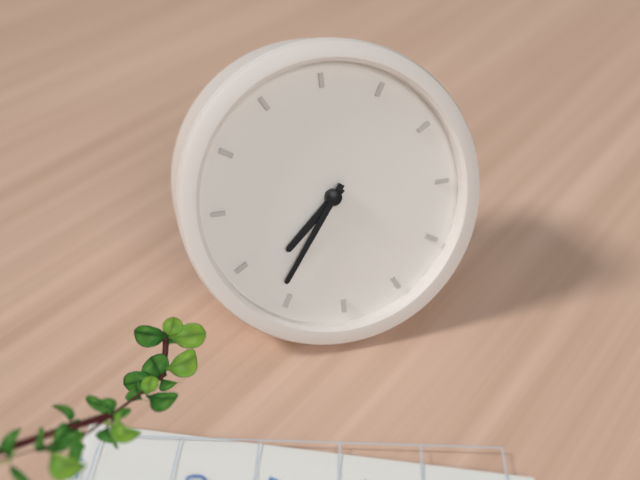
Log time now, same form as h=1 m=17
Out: h=7 m=36
